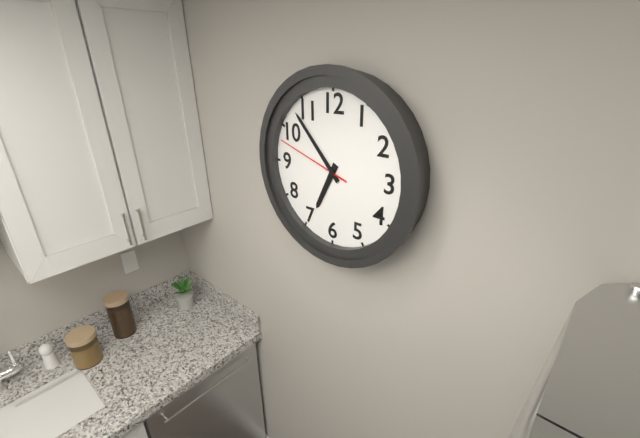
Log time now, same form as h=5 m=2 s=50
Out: h=6 m=53 s=48
